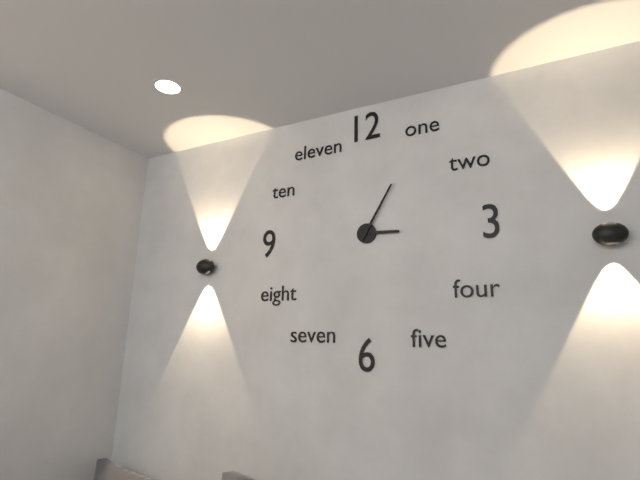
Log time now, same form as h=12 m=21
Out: h=3 m=5
